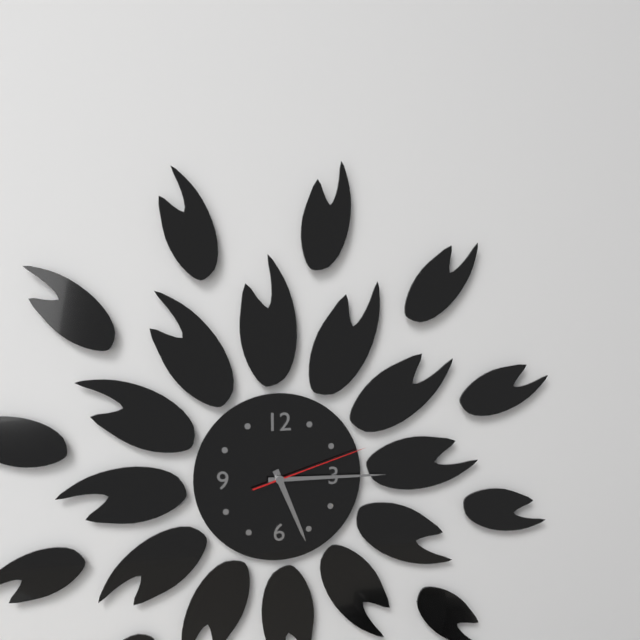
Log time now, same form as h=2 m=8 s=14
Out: h=5 m=15 s=12
